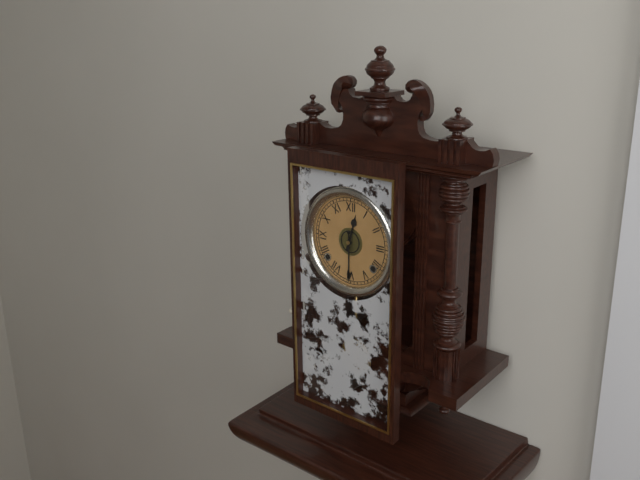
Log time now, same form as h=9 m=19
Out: h=12 m=30
